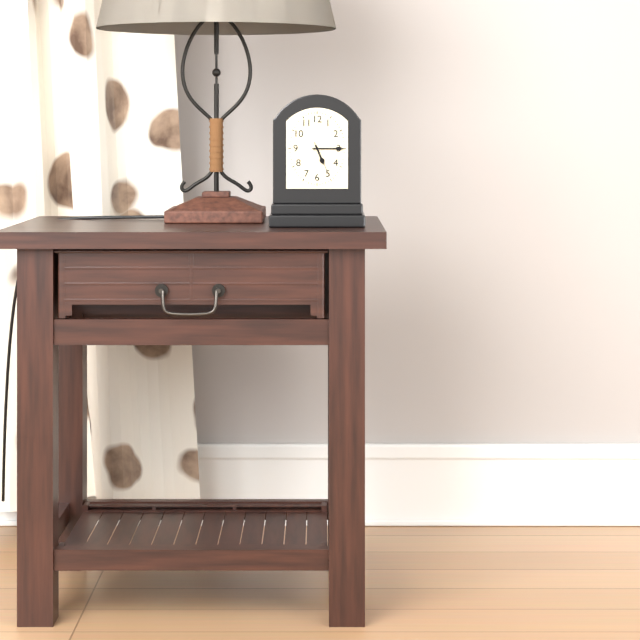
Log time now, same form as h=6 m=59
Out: h=5 m=15
